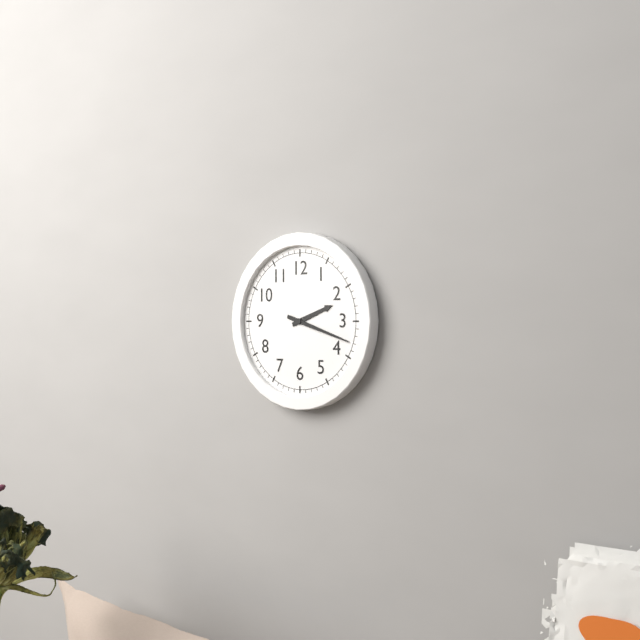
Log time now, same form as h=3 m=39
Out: h=2 m=18
